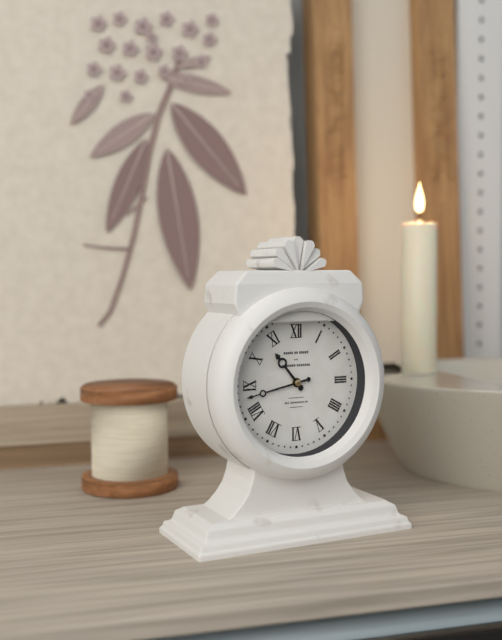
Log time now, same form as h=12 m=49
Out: h=10 m=43
